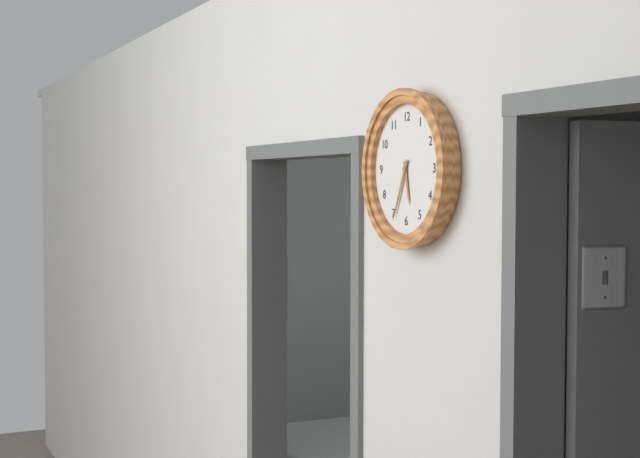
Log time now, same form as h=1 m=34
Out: h=5 m=34
